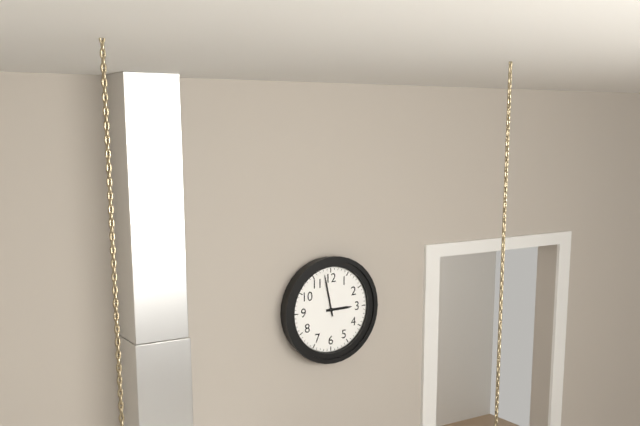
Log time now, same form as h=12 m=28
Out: h=2 m=58
